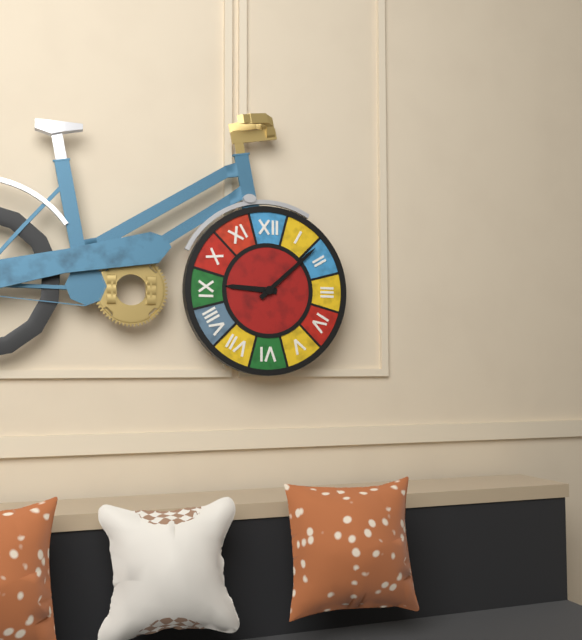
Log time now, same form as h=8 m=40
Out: h=9 m=8
